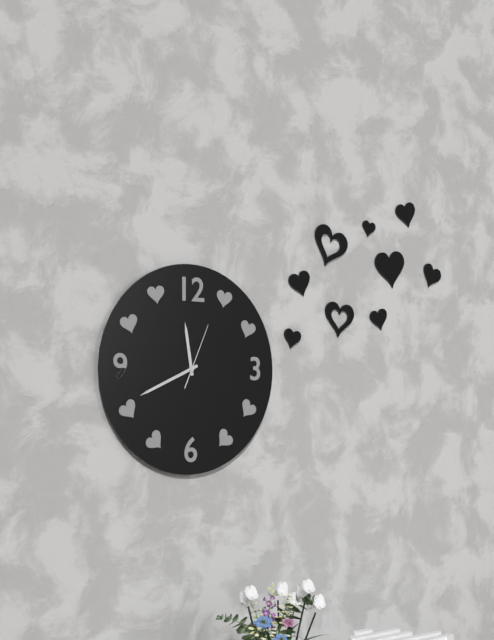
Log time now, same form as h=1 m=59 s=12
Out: h=11 m=41 s=4
